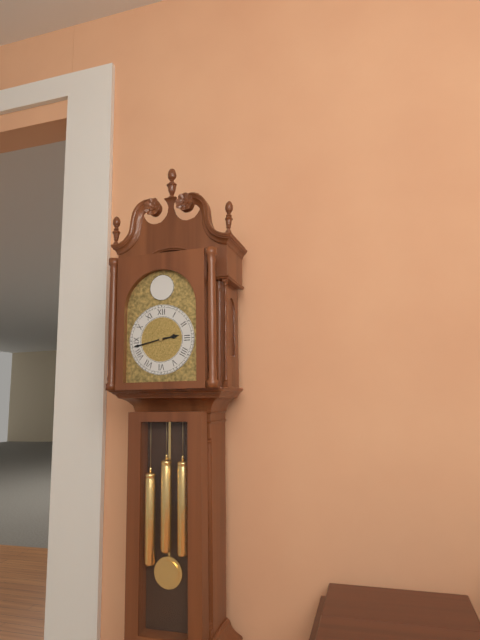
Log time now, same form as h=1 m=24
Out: h=2 m=43
